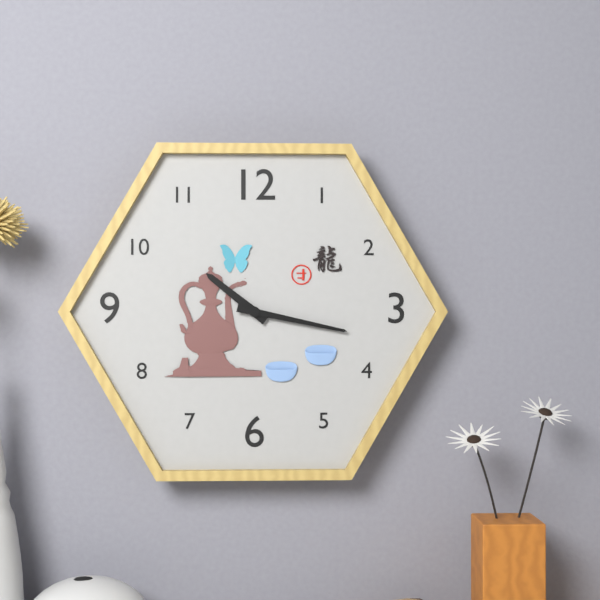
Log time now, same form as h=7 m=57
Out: h=10 m=17
